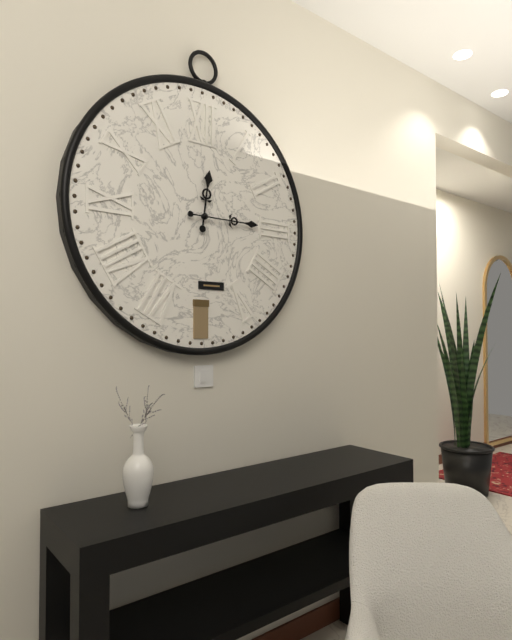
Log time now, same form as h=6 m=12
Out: h=12 m=15
